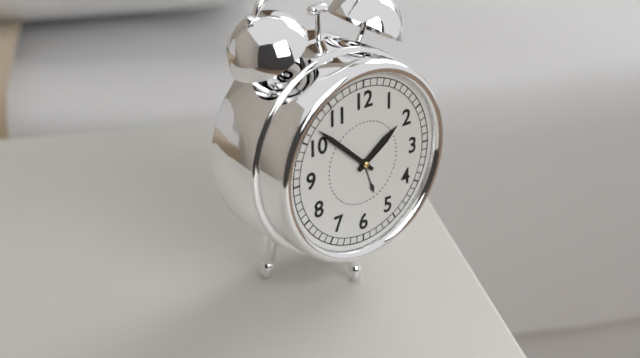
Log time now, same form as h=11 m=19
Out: h=1 m=52
